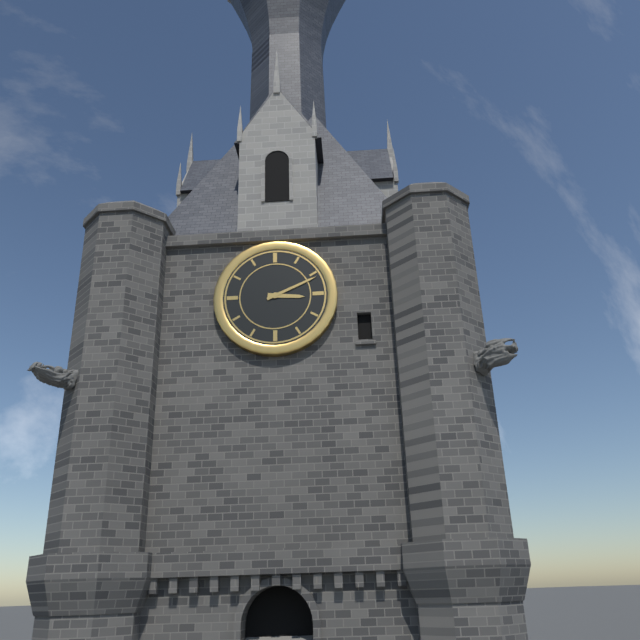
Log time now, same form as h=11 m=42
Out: h=3 m=11
